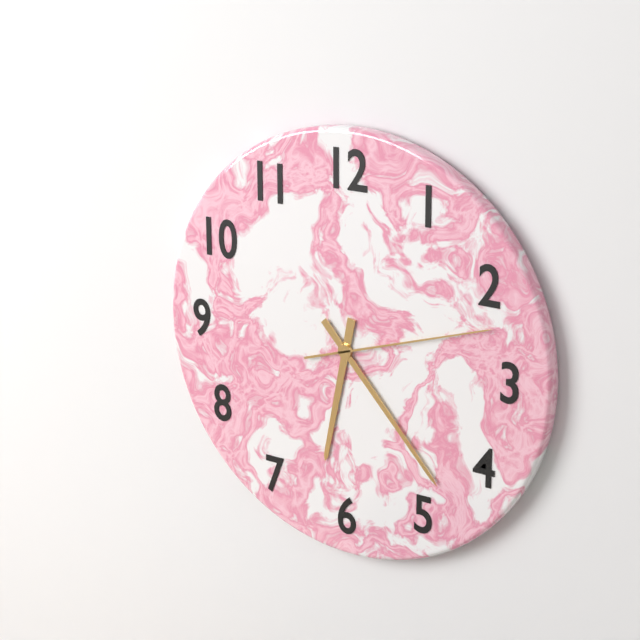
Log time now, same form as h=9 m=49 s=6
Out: h=6 m=23 s=12
